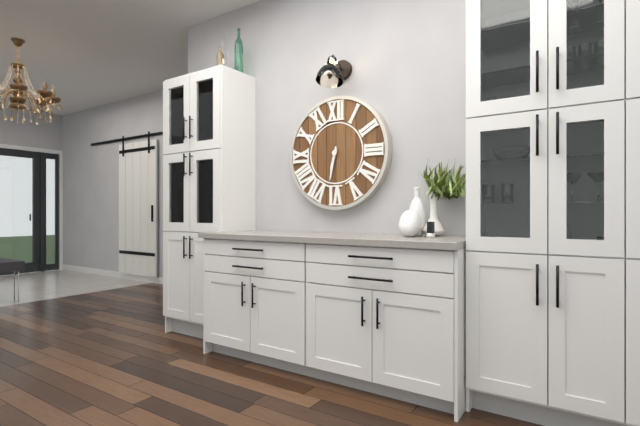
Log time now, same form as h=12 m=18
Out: h=6 m=32
